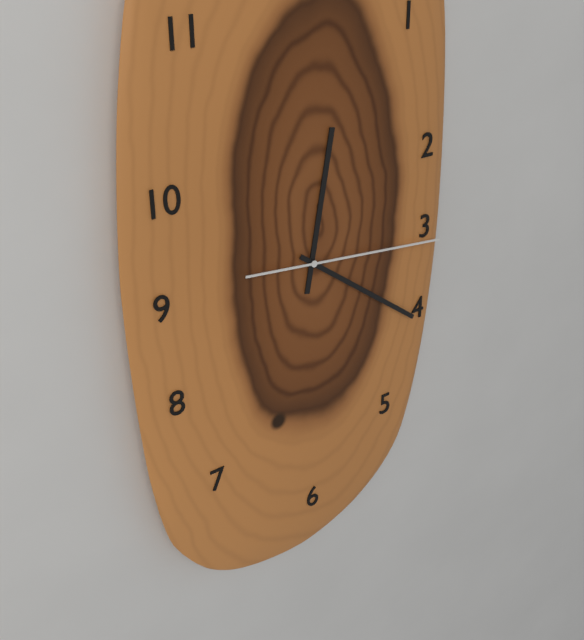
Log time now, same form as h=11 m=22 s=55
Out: h=12 m=21 s=16
